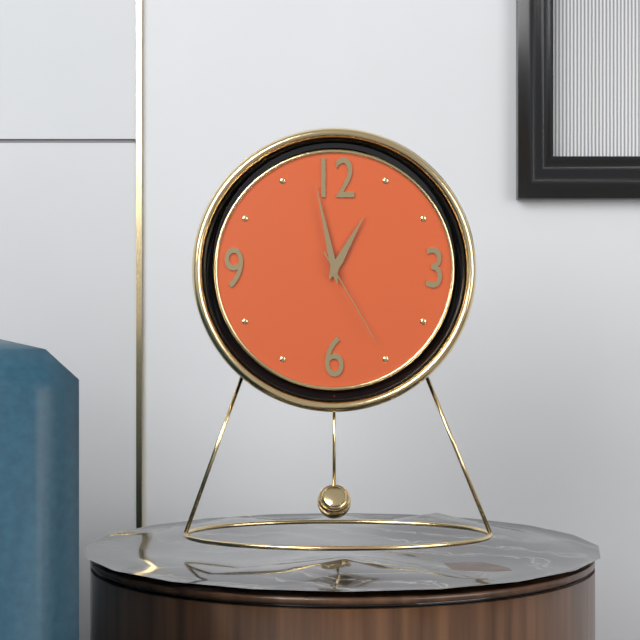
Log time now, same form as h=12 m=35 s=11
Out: h=12 m=58 s=25
